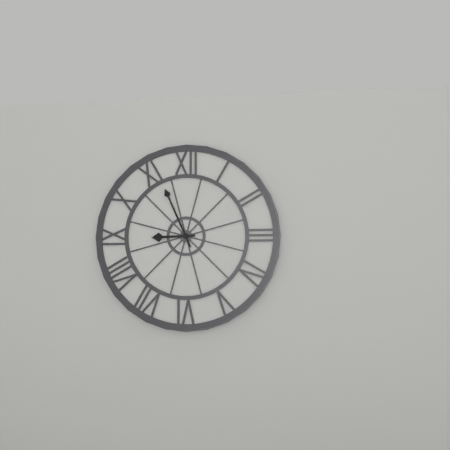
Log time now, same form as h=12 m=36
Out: h=8 m=56
